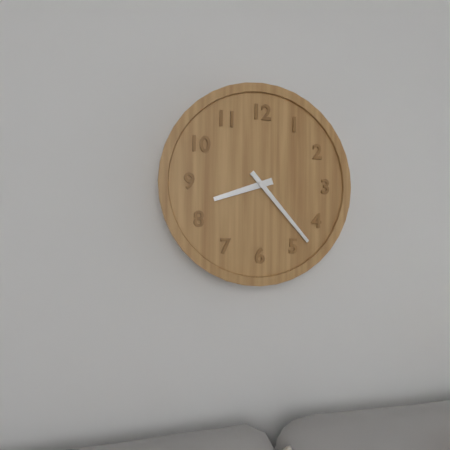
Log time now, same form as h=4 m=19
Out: h=8 m=23
